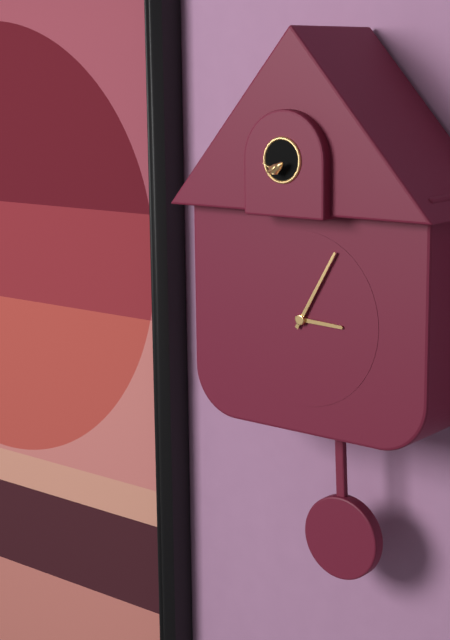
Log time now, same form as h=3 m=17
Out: h=3 m=5
